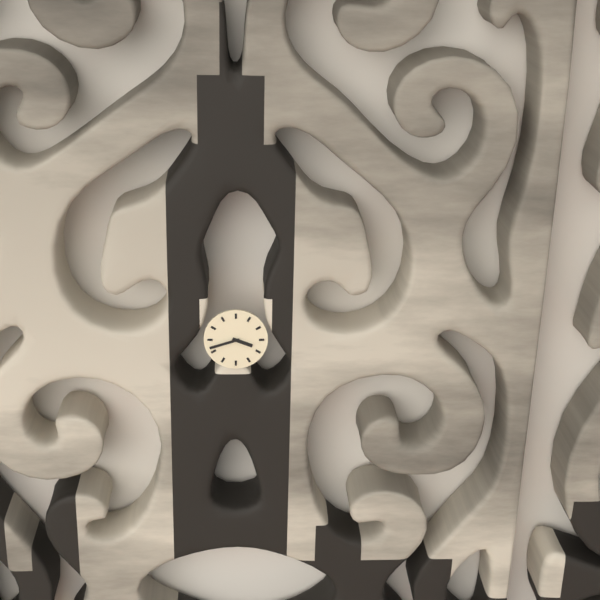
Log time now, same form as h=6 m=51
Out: h=3 m=42
